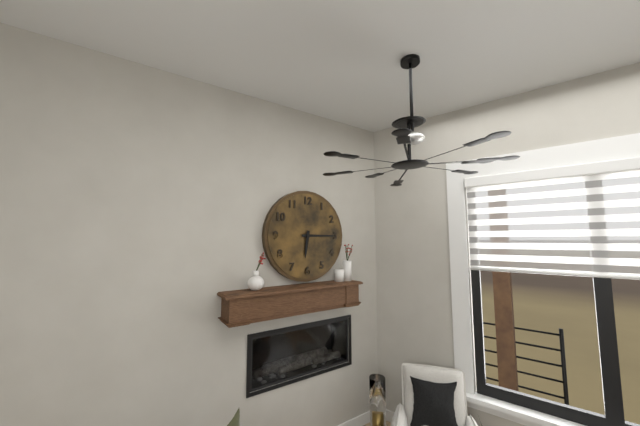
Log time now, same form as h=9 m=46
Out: h=6 m=15
